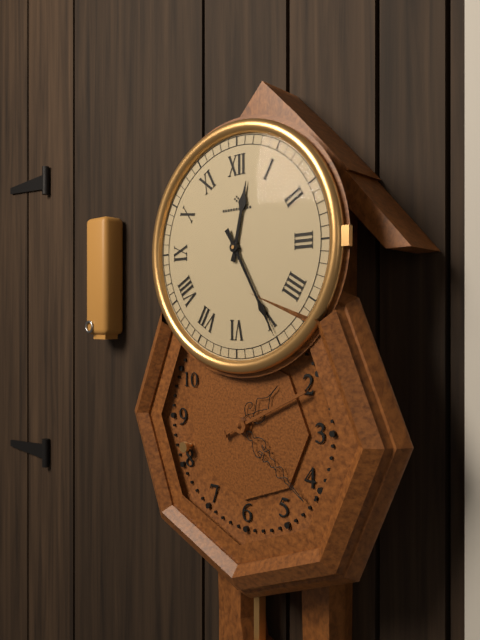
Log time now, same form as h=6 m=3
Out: h=12 m=25
